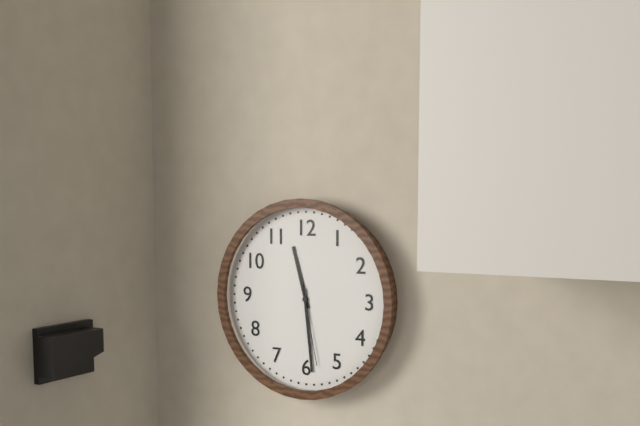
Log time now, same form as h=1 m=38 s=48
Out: h=11 m=29 s=28
